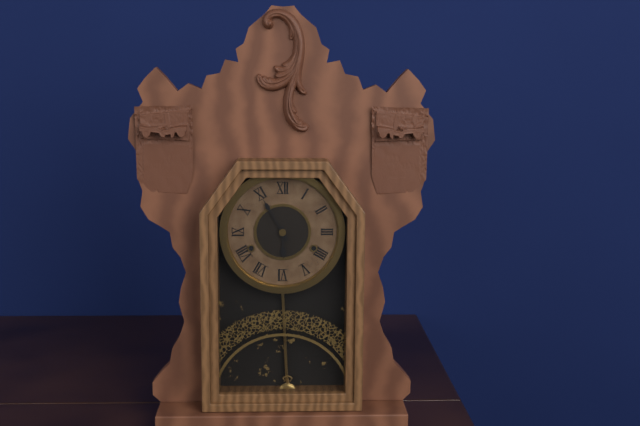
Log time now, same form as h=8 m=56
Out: h=5 m=55
